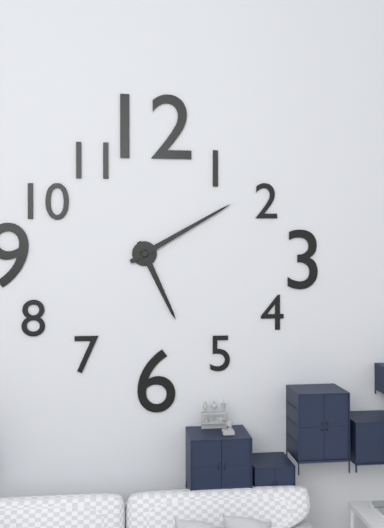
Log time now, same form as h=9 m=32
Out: h=5 m=10
